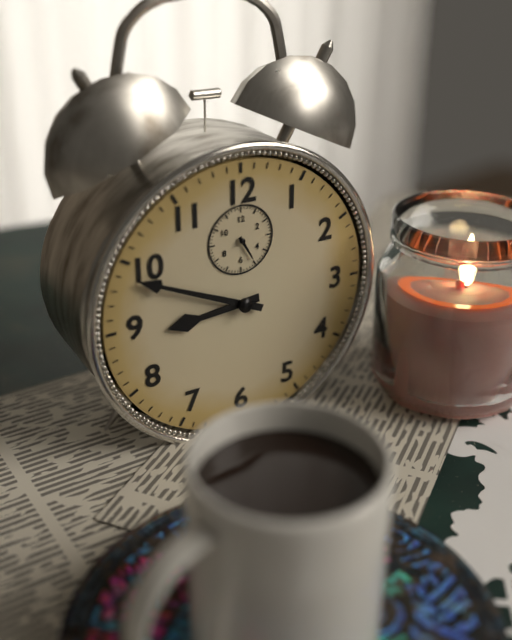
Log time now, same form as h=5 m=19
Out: h=8 m=49
